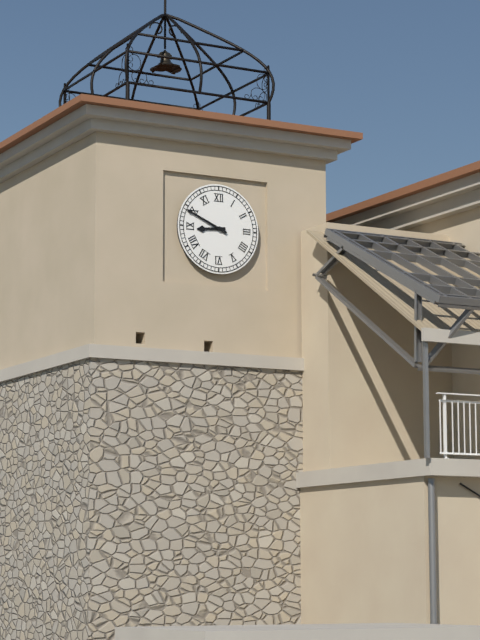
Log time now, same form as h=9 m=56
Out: h=8 m=49
